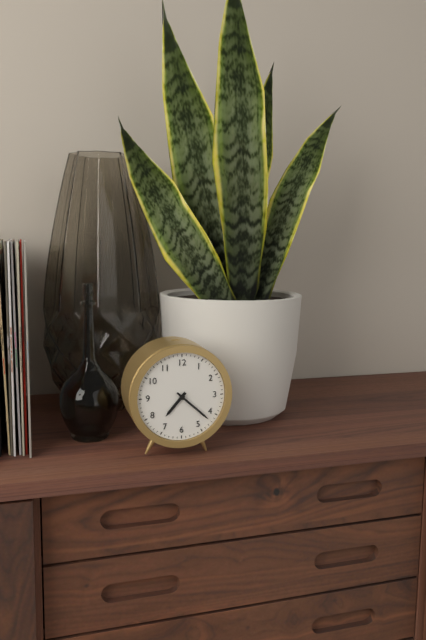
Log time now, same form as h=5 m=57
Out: h=7 m=22
